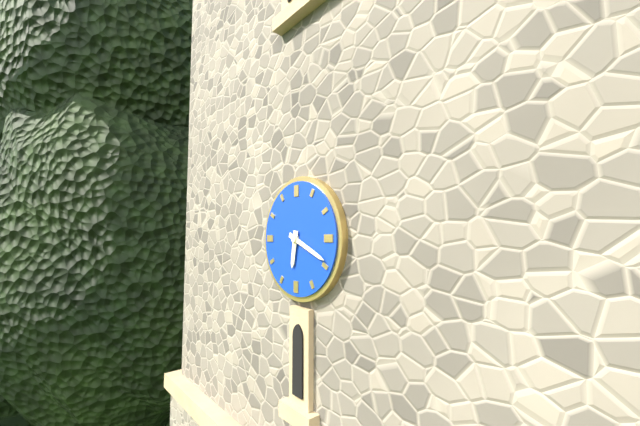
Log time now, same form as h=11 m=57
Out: h=6 m=19
